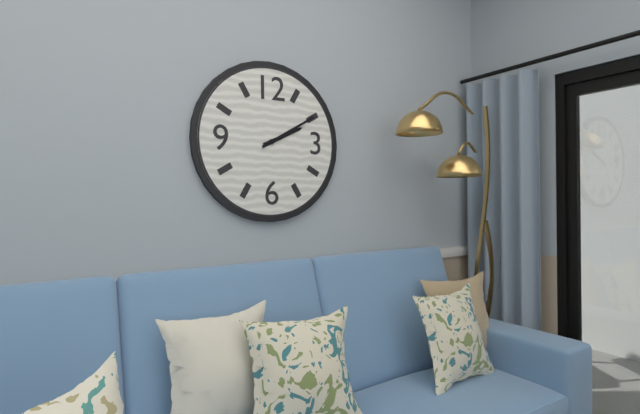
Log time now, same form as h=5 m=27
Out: h=2 m=10
